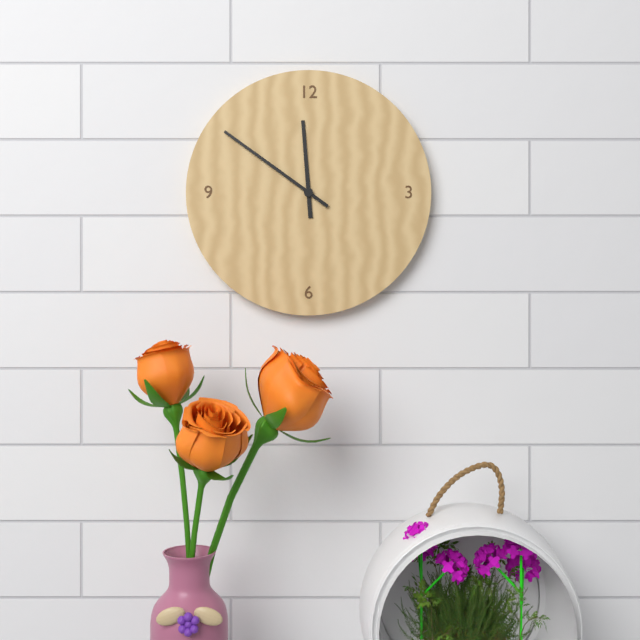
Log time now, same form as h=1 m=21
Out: h=11 m=51
